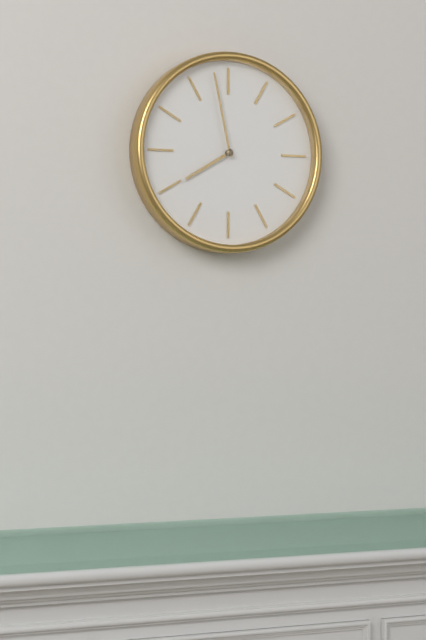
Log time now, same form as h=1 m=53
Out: h=7 m=58
